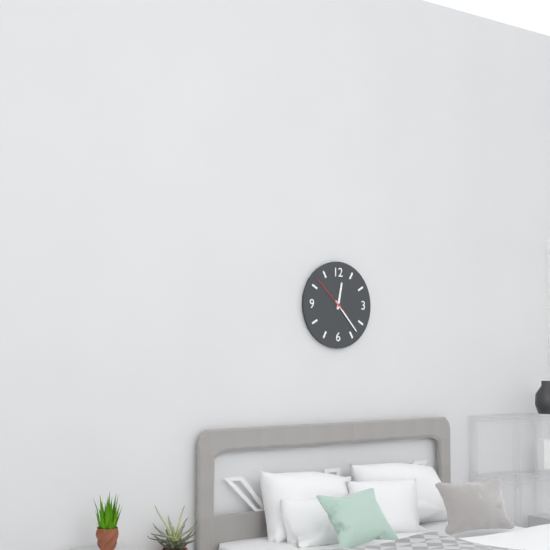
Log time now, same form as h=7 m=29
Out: h=12 m=23
